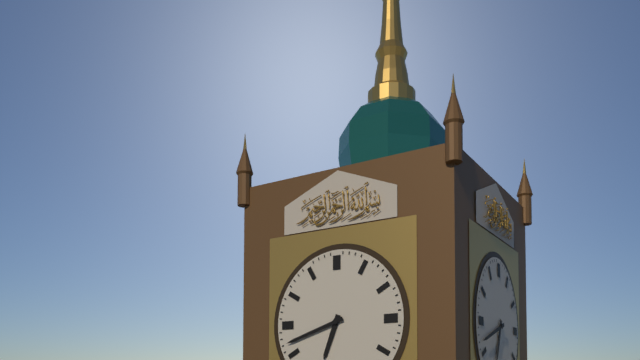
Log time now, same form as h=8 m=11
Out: h=6 m=42
